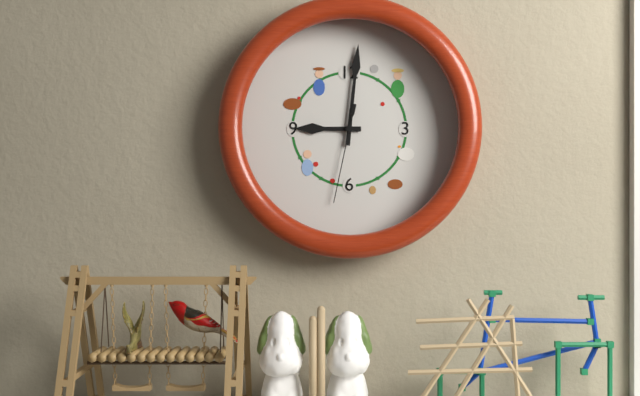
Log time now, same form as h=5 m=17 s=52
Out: h=9 m=1 s=32
